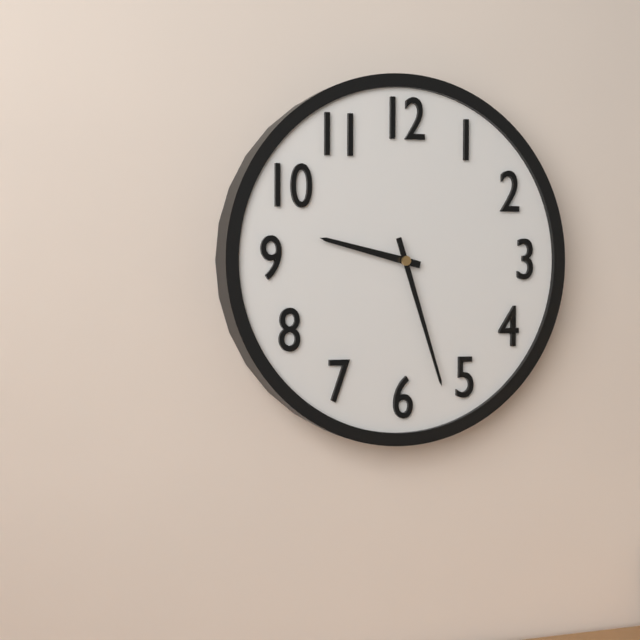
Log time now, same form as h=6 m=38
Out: h=9 m=27
